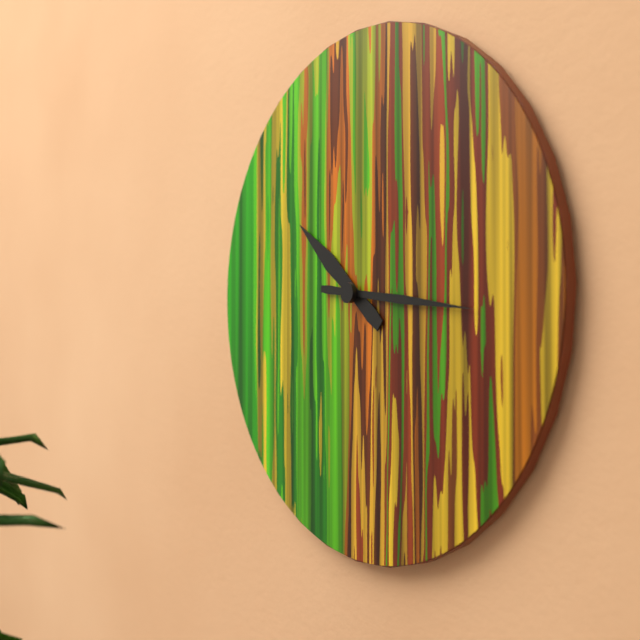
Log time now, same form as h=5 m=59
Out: h=10 m=16
